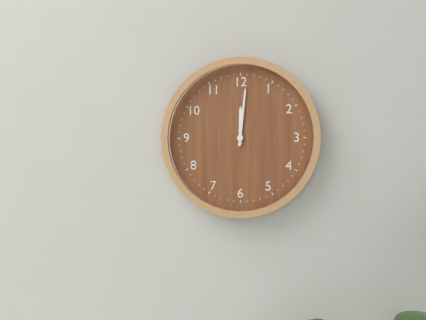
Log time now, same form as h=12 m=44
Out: h=12 m=1
